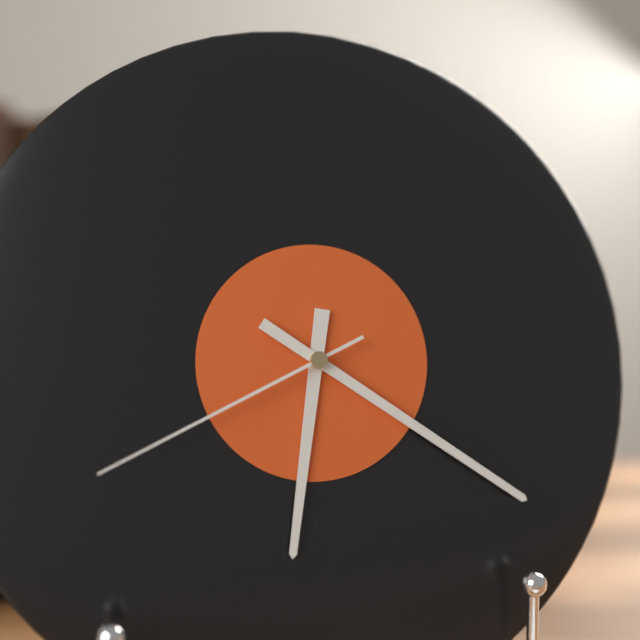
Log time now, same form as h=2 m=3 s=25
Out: h=6 m=21 s=41
